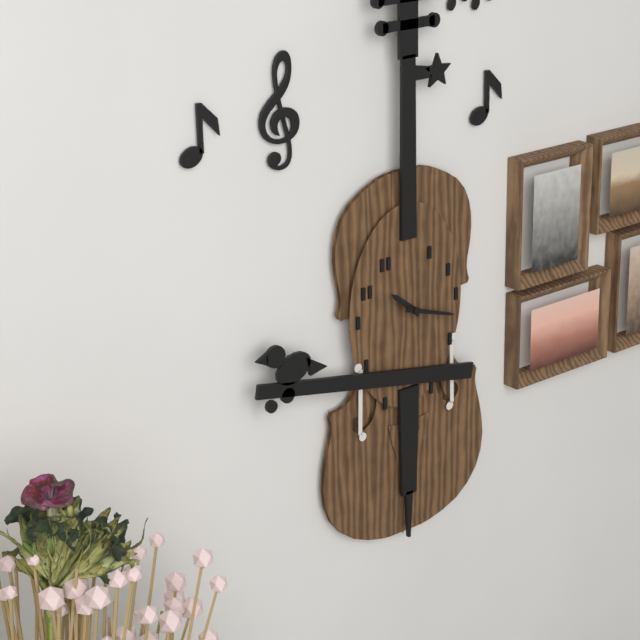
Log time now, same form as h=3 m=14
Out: h=10 m=18
